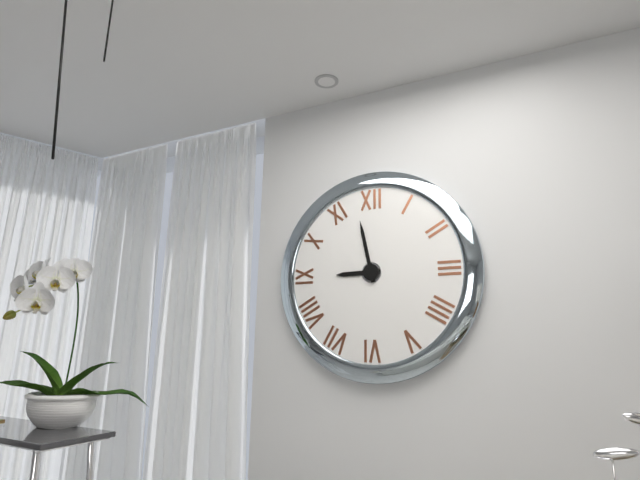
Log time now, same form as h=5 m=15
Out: h=8 m=58
